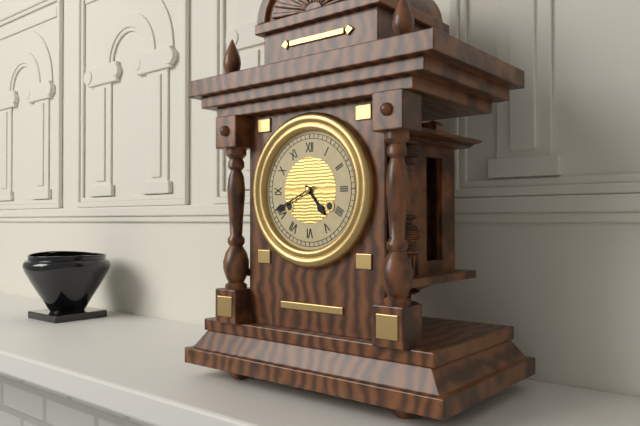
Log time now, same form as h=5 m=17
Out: h=4 m=41
